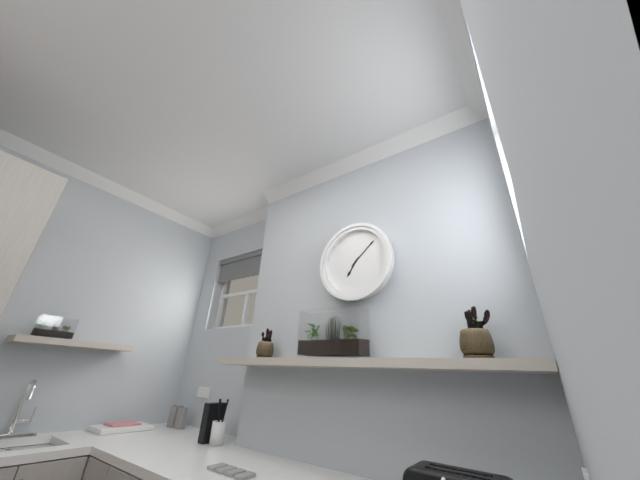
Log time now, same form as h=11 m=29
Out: h=7 m=8
